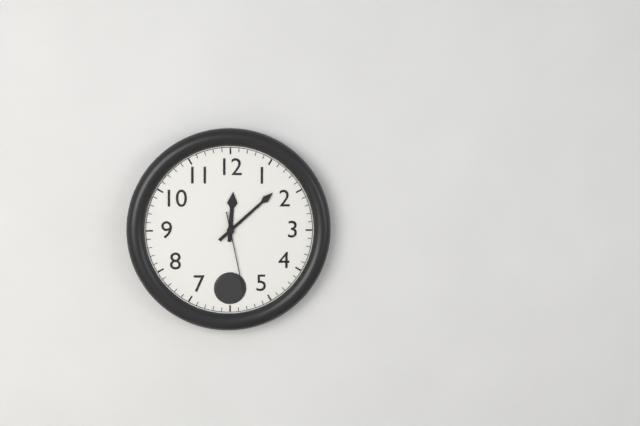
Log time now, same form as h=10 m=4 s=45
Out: h=12 m=8 s=28
